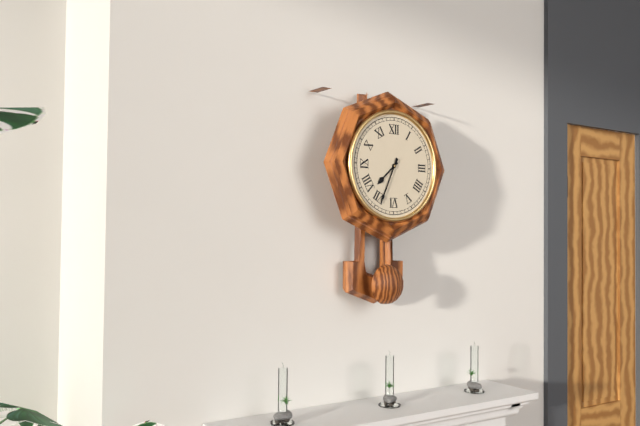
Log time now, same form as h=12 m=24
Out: h=7 m=34
